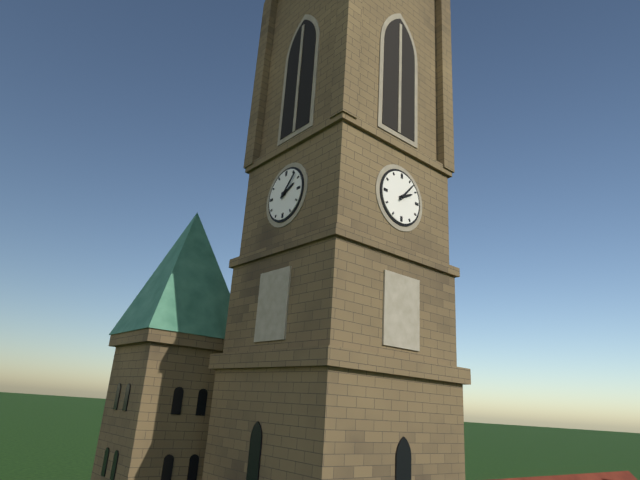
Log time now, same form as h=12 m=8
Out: h=2 m=7
